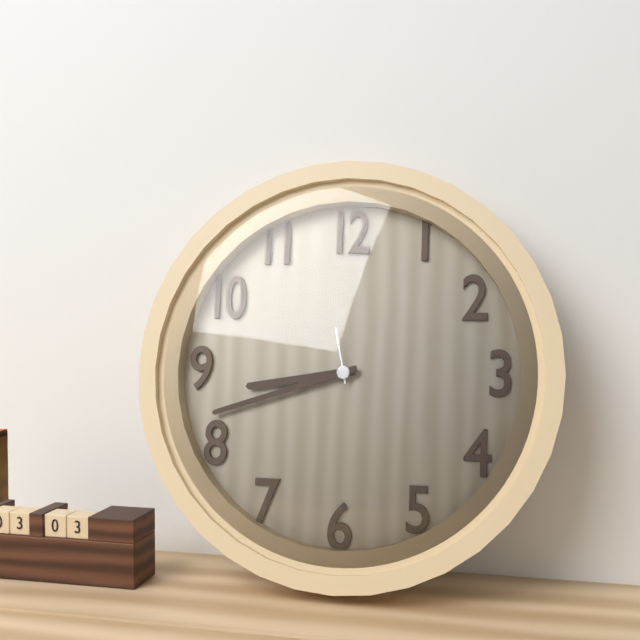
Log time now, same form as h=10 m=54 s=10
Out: h=8 m=42 s=58
